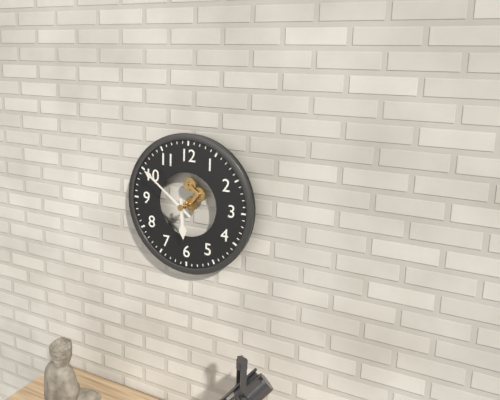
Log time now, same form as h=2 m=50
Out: h=5 m=51
